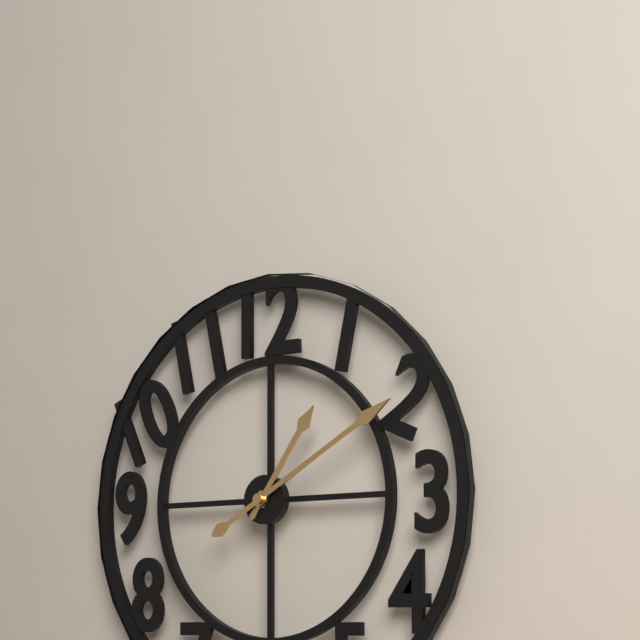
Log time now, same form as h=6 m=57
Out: h=1 m=10
